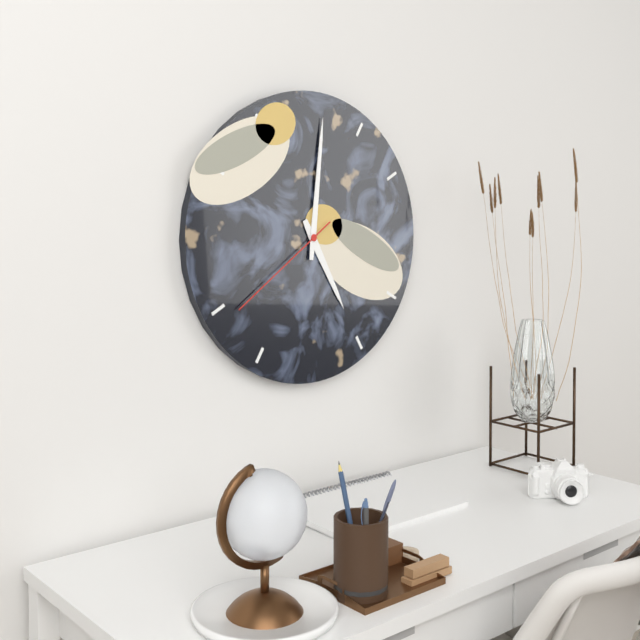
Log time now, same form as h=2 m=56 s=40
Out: h=5 m=1 s=39
